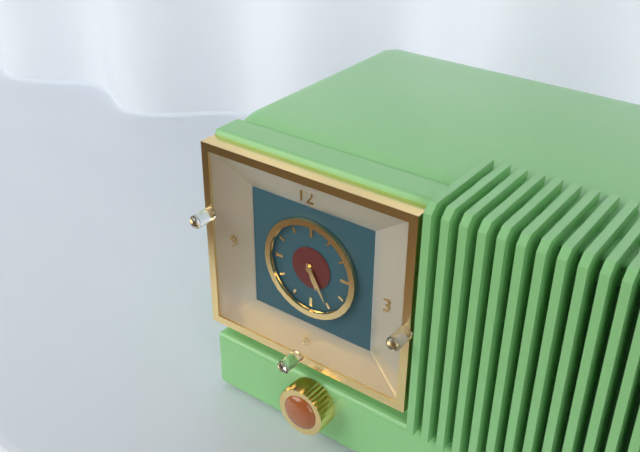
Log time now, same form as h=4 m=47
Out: h=5 m=25
